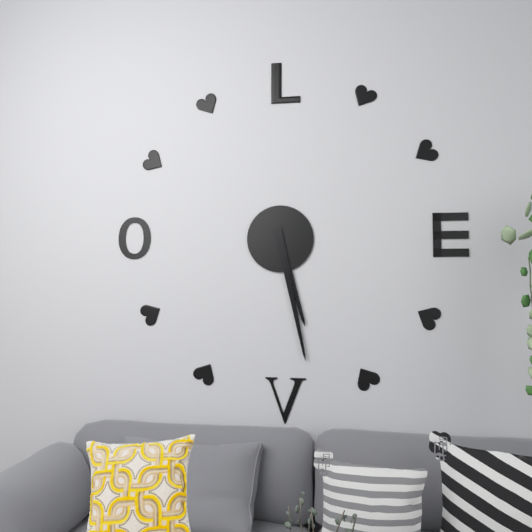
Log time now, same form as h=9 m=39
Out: h=5 m=28
